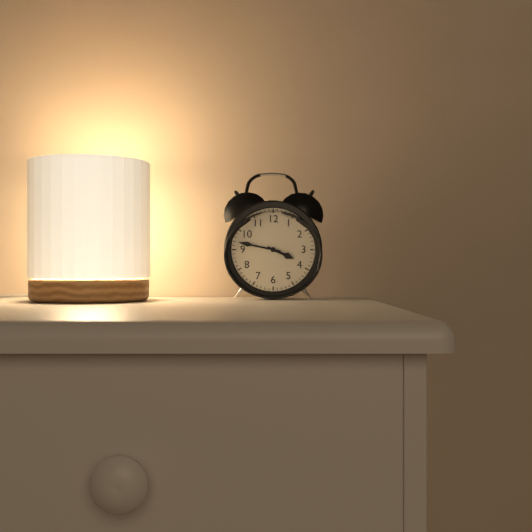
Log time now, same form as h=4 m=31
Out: h=3 m=47
